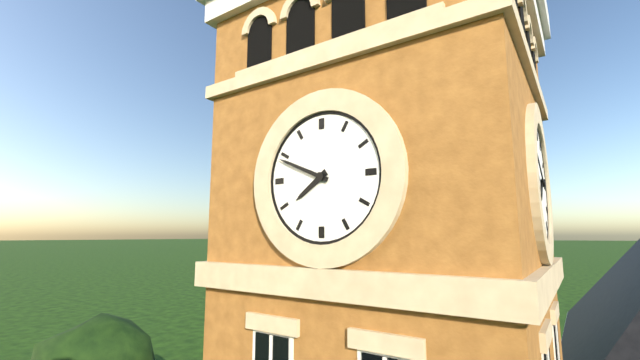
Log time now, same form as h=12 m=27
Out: h=7 m=49
